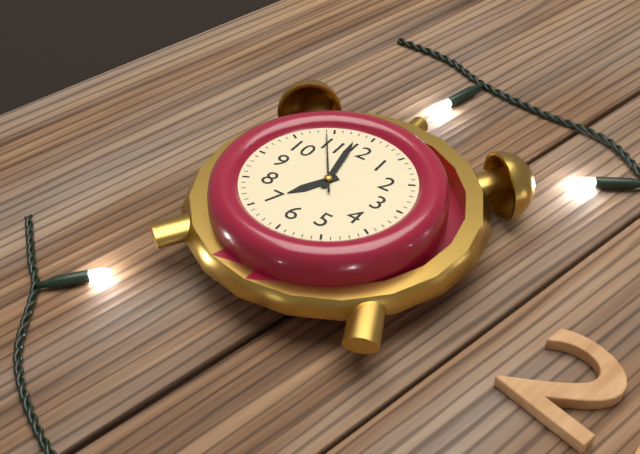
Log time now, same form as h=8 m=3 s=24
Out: h=6 m=58 s=54
